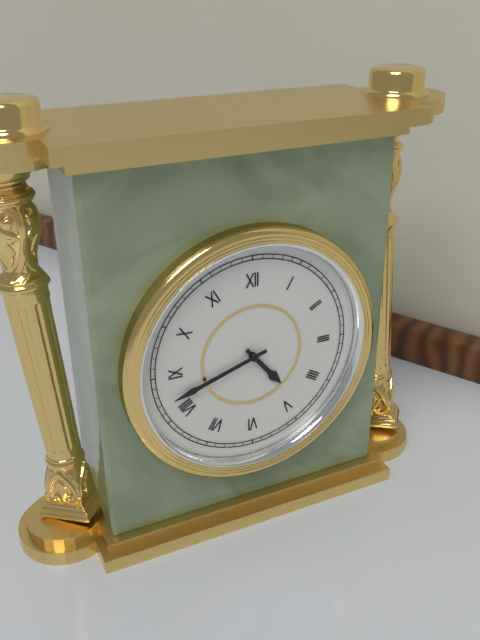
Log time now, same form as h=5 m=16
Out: h=4 m=42
